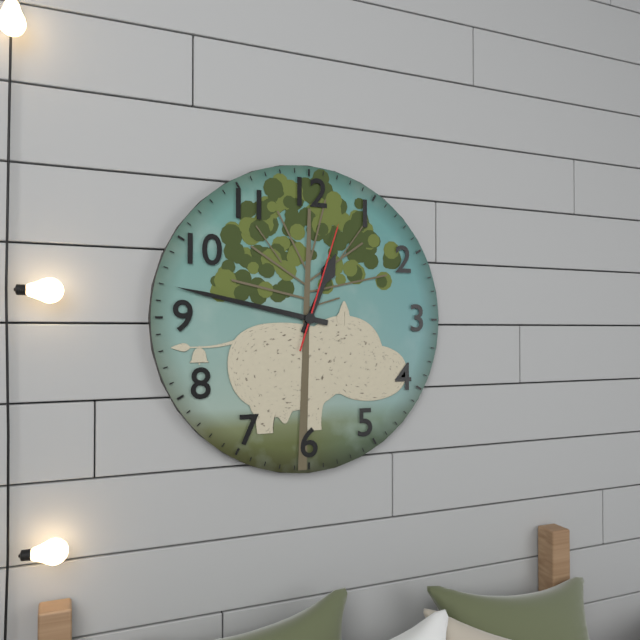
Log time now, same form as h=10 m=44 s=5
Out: h=12 m=47 s=3
